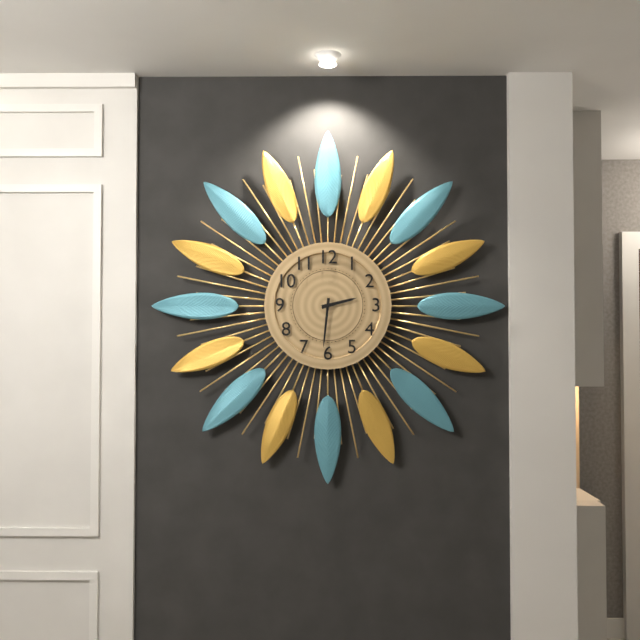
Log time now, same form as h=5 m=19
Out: h=2 m=31
